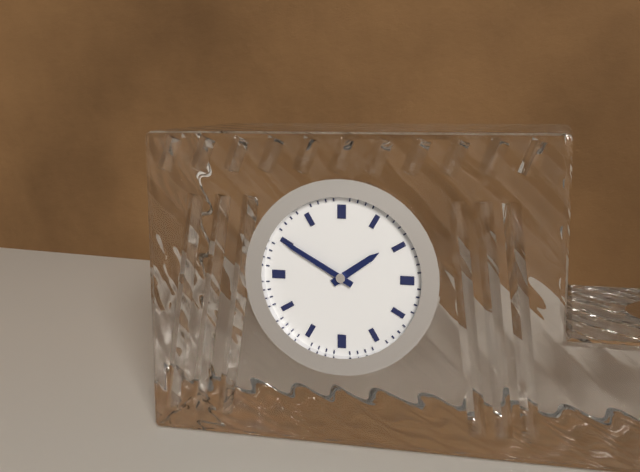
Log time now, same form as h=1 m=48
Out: h=1 m=50
